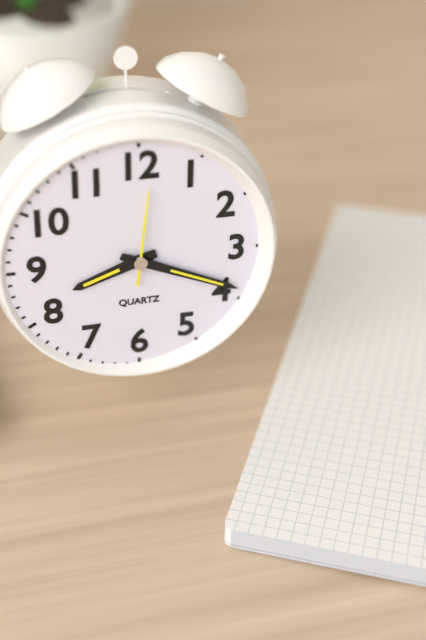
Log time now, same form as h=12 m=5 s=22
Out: h=8 m=19 s=1
